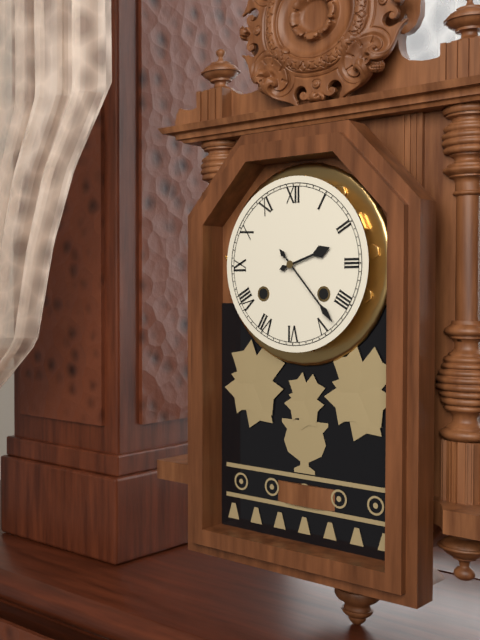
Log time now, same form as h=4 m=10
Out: h=2 m=23
